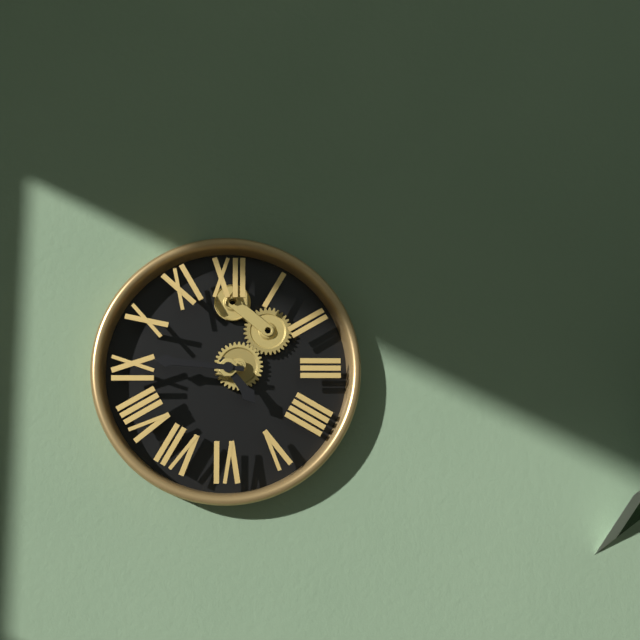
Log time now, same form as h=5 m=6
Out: h=4 m=46
